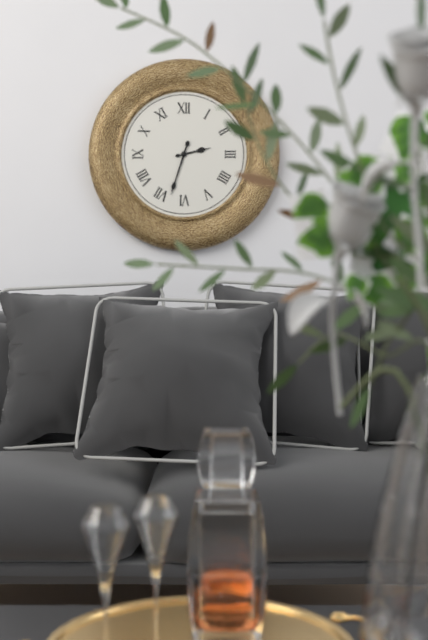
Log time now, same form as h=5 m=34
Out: h=2 m=33
